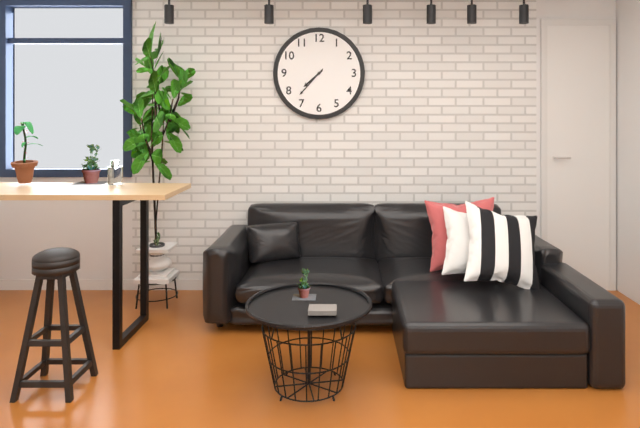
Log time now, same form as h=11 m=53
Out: h=7 m=37
